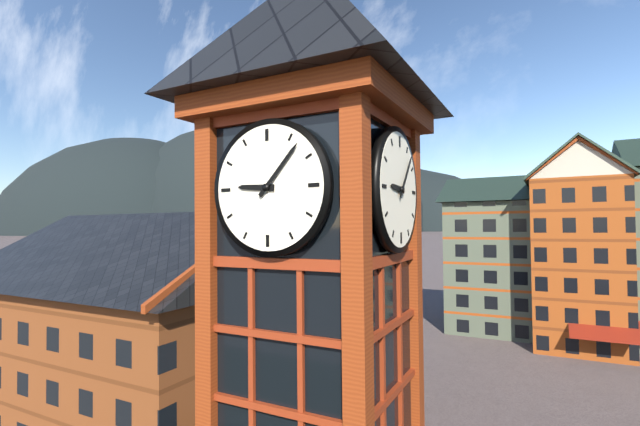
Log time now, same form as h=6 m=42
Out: h=9 m=7
